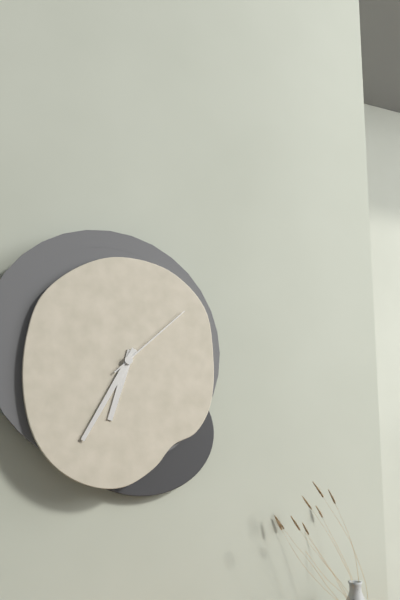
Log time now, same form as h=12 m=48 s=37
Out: h=6 m=35 s=8
